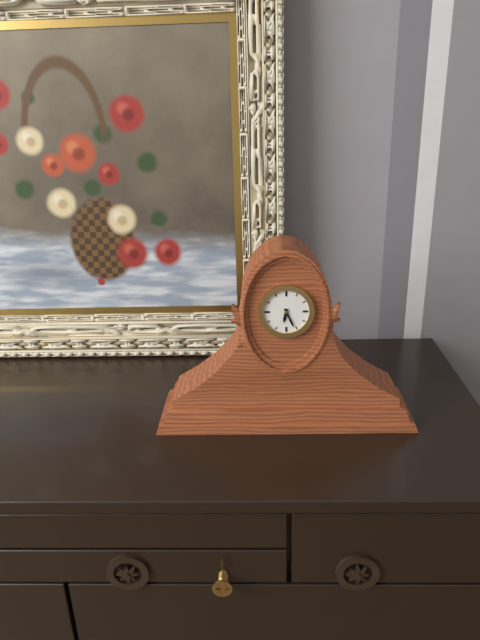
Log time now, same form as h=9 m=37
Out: h=6 m=26
